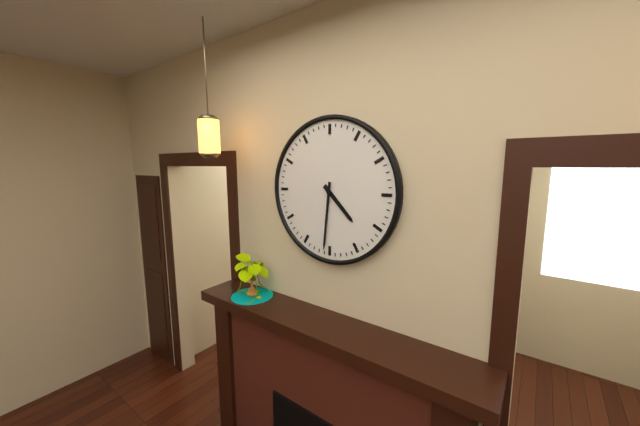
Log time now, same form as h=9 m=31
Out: h=4 m=31
